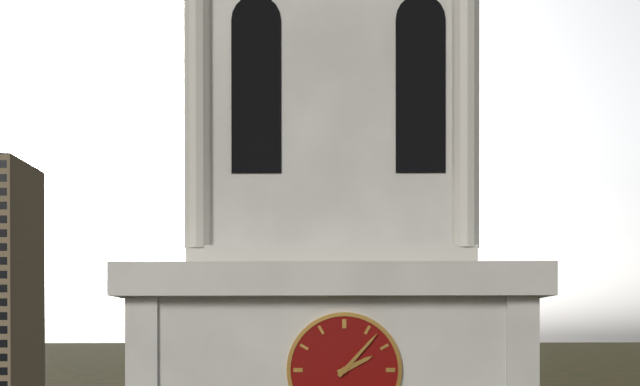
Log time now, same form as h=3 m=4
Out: h=2 m=7
